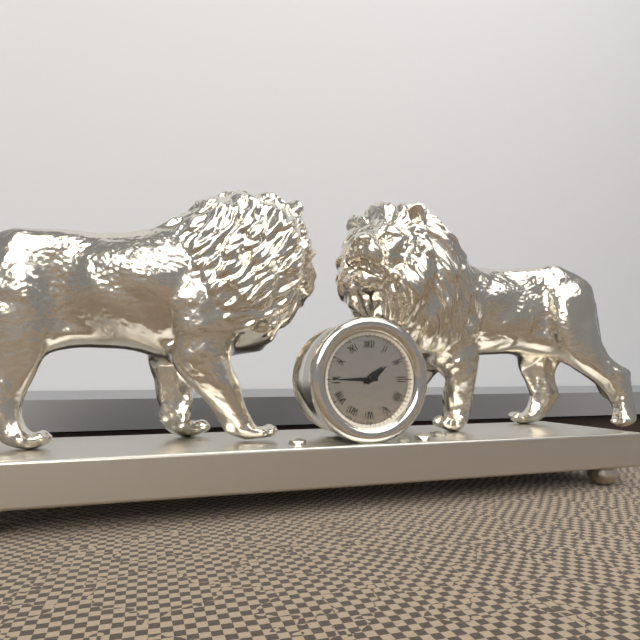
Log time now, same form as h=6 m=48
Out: h=1 m=45
